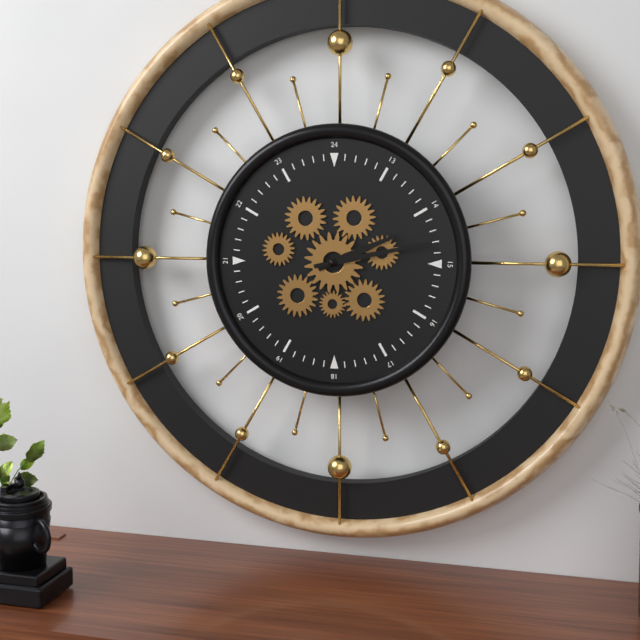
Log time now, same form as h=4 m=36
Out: h=2 m=13
